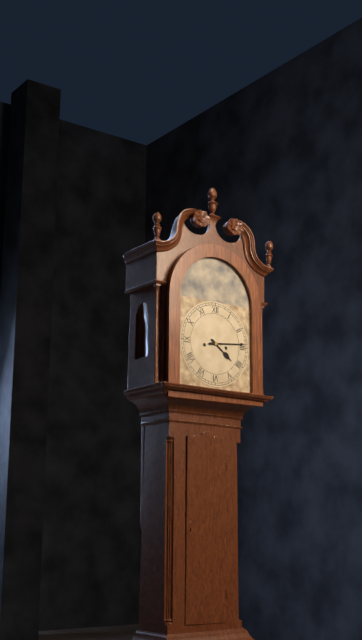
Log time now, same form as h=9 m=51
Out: h=4 m=14
